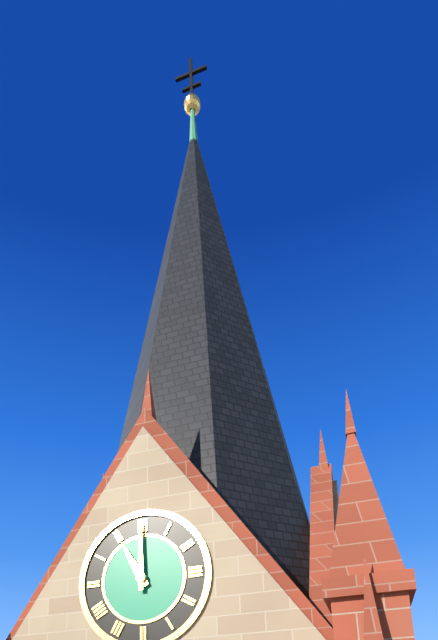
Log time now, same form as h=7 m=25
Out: h=11 m=0
